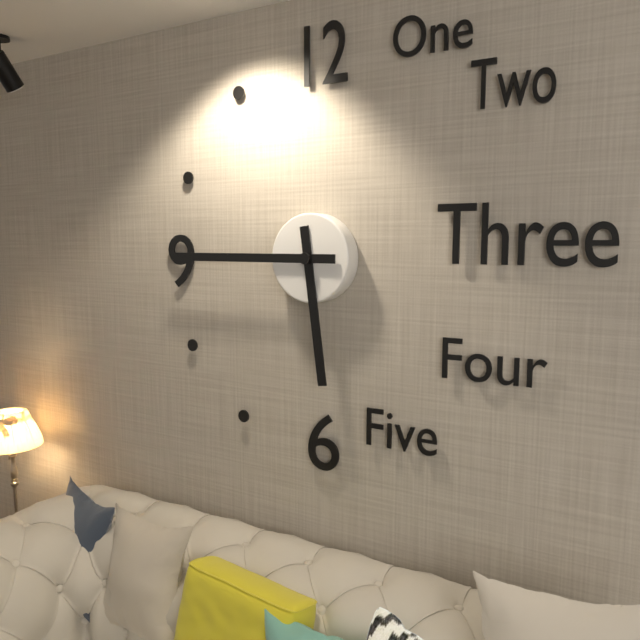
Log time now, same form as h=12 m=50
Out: h=5 m=45
